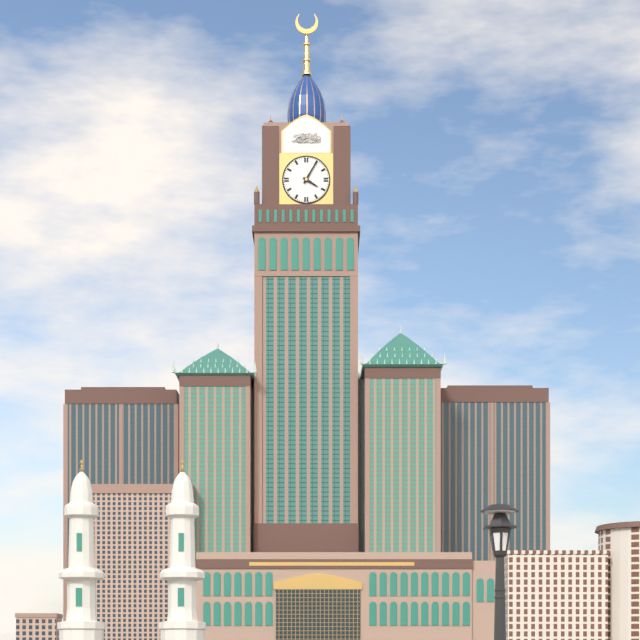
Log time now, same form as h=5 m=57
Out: h=4 m=5
